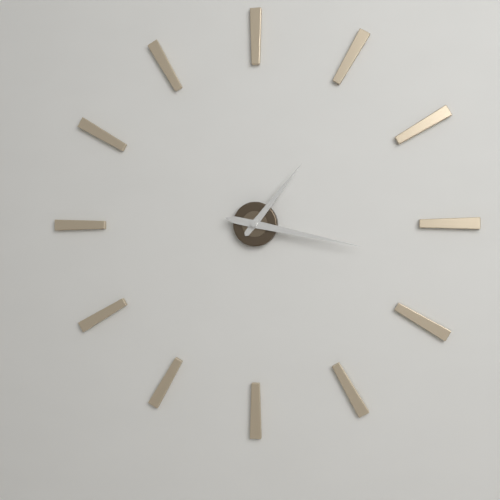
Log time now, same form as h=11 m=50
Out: h=1 m=17
